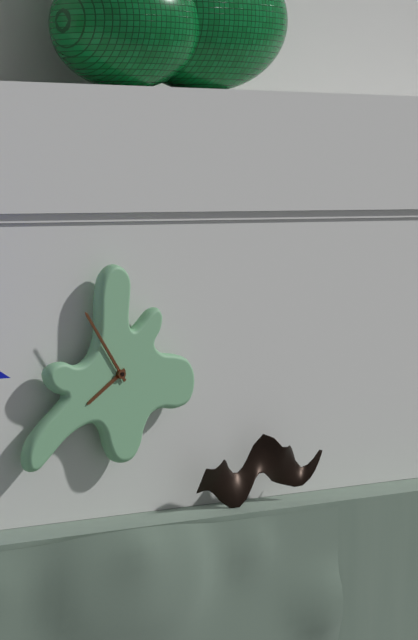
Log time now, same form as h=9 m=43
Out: h=7 m=54
